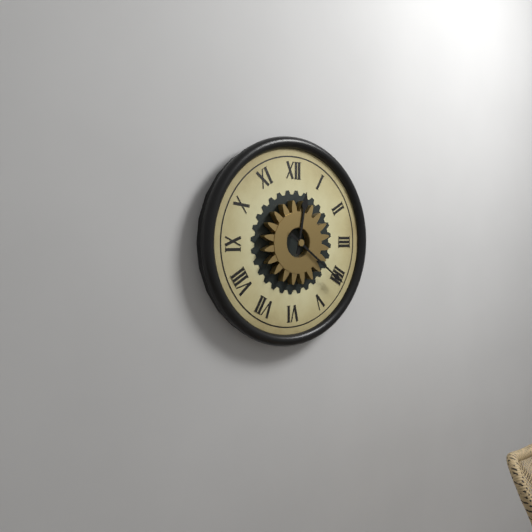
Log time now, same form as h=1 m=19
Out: h=12 m=21
